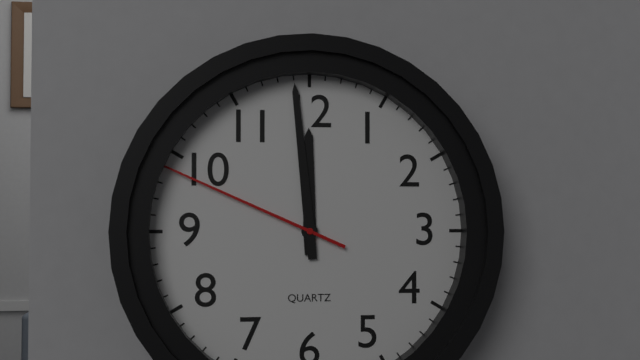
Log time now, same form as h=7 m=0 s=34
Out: h=11 m=59 s=49
